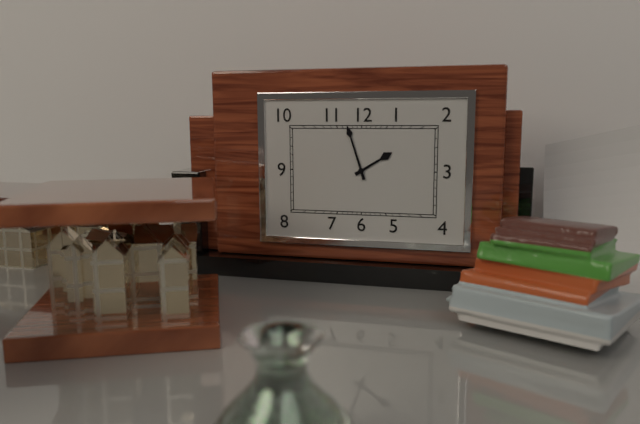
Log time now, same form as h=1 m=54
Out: h=1 m=57
